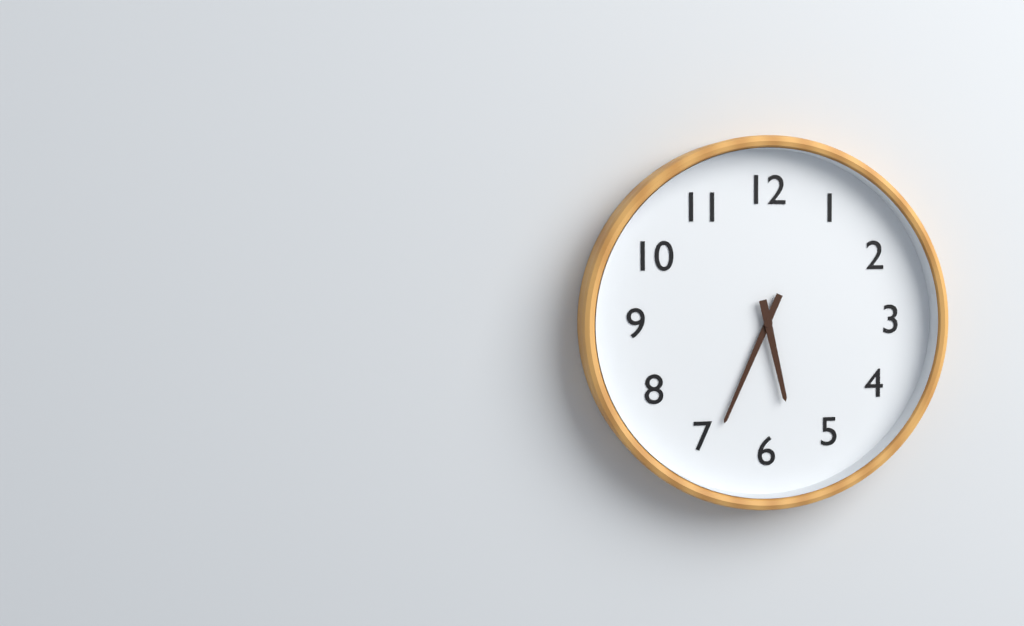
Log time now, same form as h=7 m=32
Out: h=5 m=34
